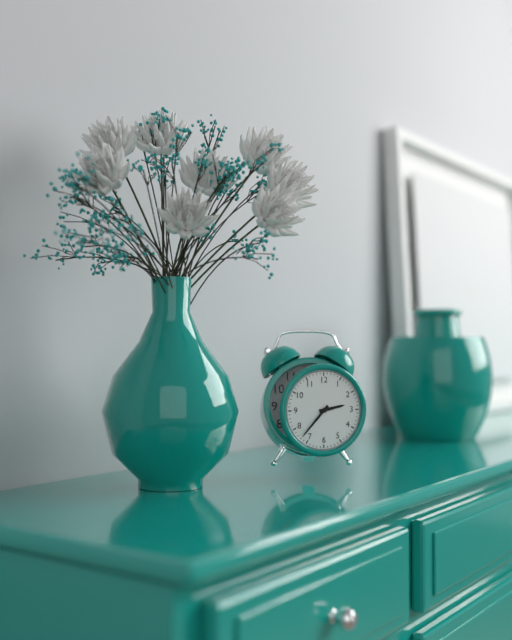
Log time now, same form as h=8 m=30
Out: h=2 m=37
